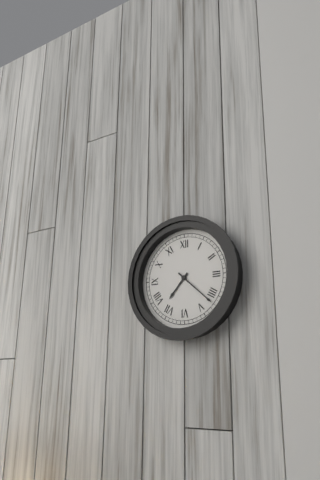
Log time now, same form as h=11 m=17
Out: h=7 m=22
